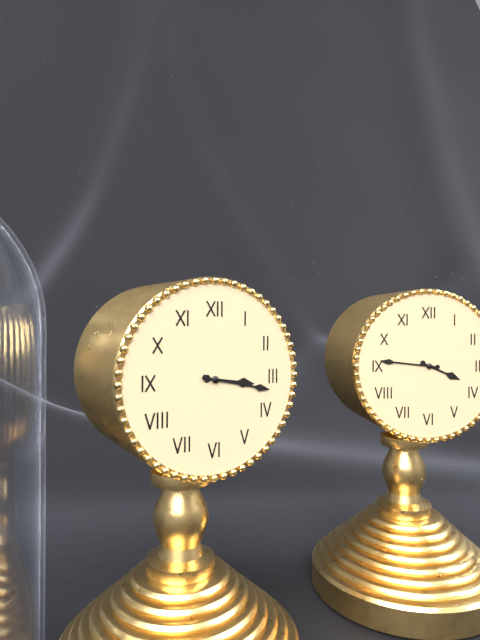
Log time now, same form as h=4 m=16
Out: h=3 m=17
